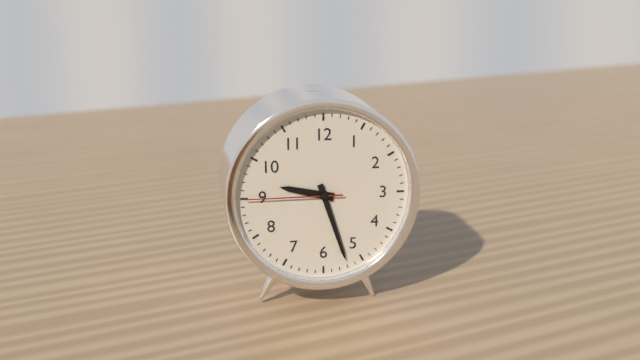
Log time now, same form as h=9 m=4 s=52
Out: h=9 m=27 s=45
